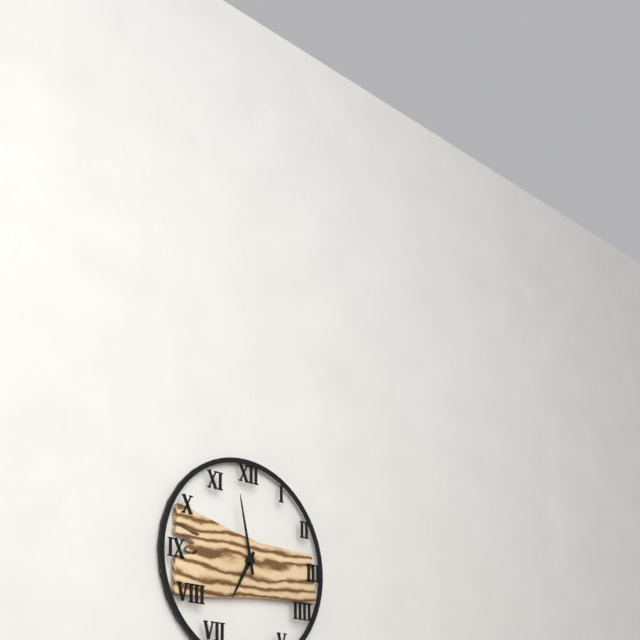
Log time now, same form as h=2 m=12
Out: h=6 m=58
